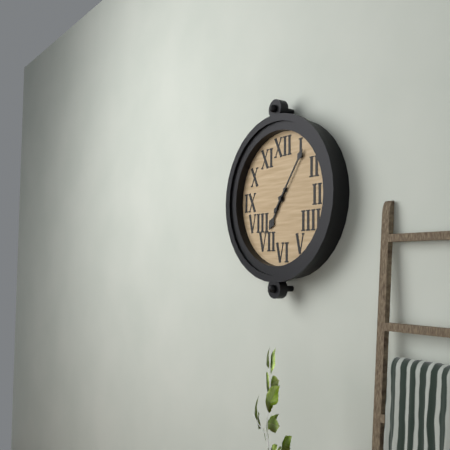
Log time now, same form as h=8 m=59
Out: h=7 m=6
